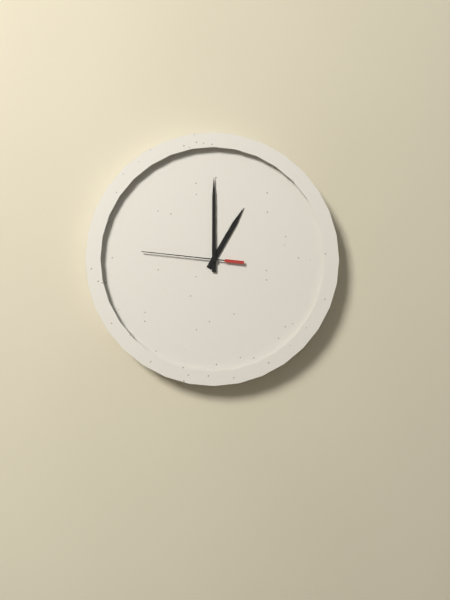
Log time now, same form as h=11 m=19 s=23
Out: h=1 m=0 s=46
